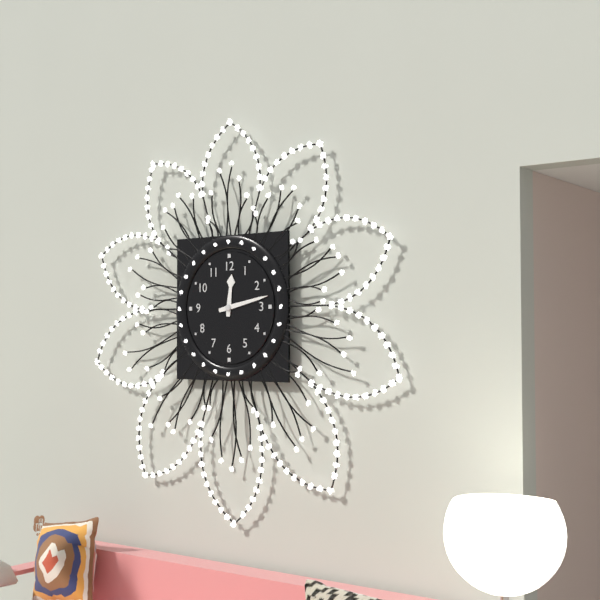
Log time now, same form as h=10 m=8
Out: h=12 m=13
